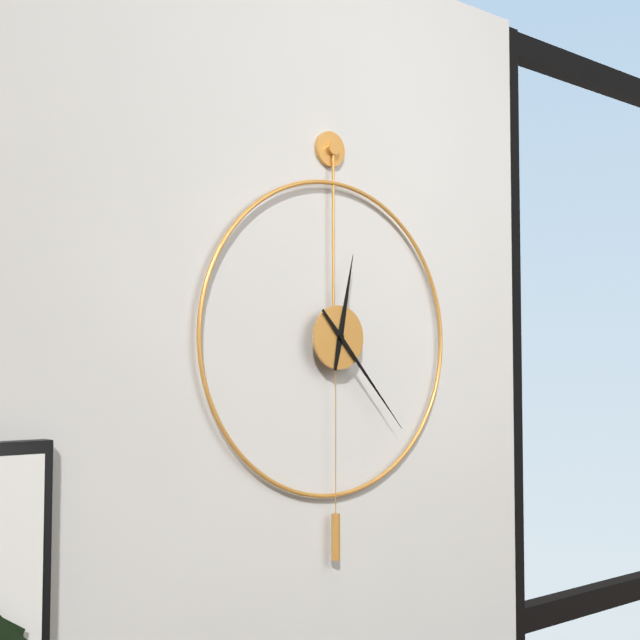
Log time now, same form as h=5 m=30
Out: h=12 m=23
